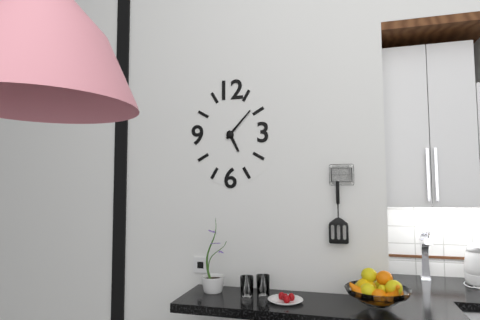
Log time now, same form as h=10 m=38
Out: h=5 m=7
